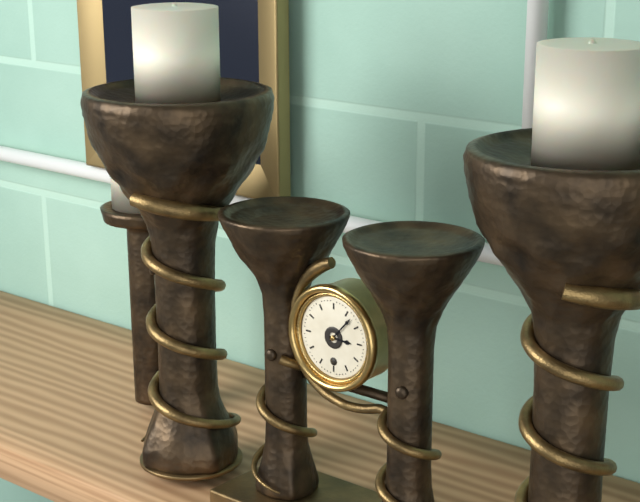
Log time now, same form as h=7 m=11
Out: h=3 m=7
